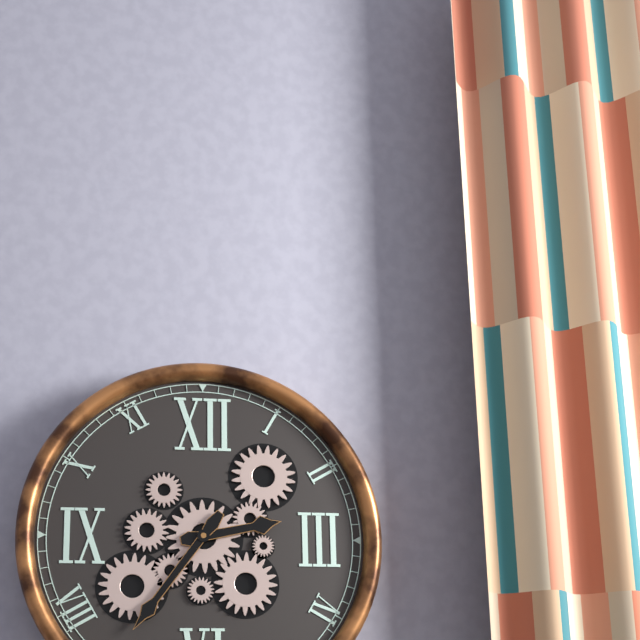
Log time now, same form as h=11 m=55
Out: h=2 m=36
